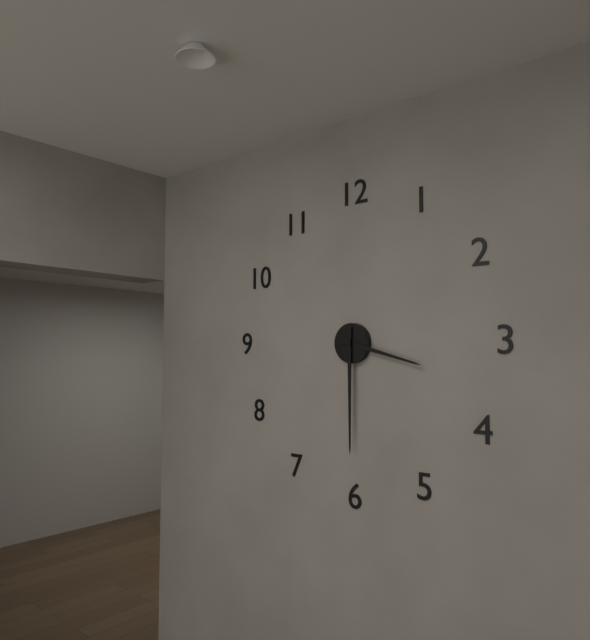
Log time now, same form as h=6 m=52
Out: h=3 m=30
